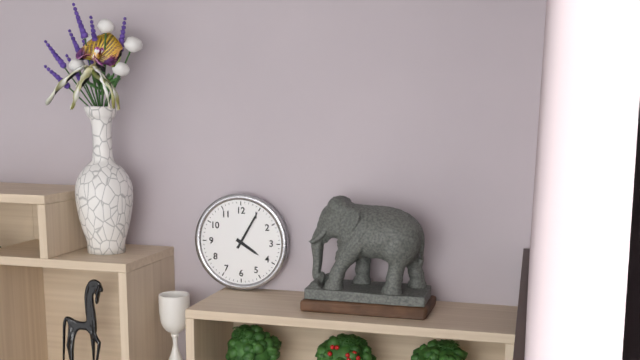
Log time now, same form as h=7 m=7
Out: h=4 m=5
